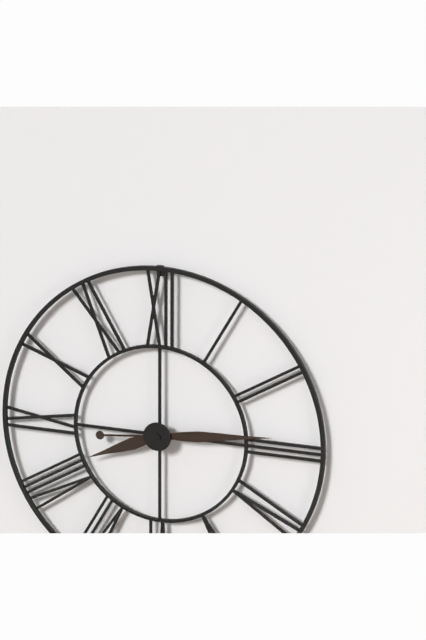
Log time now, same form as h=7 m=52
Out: h=8 m=14
